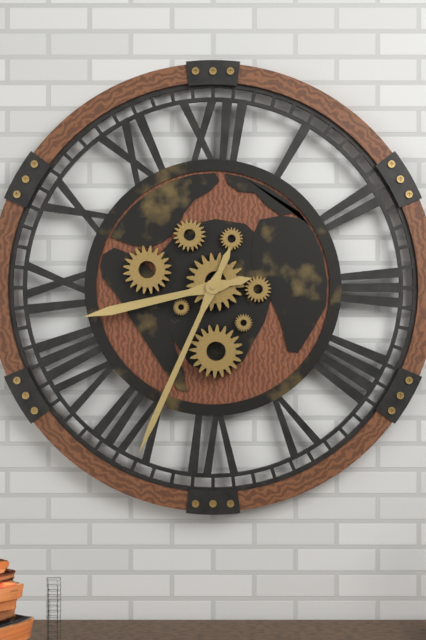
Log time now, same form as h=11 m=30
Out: h=8 m=34
